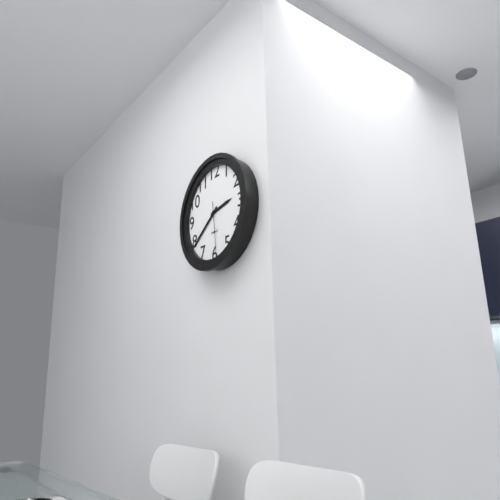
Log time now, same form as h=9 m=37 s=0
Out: h=2 m=39 s=29
